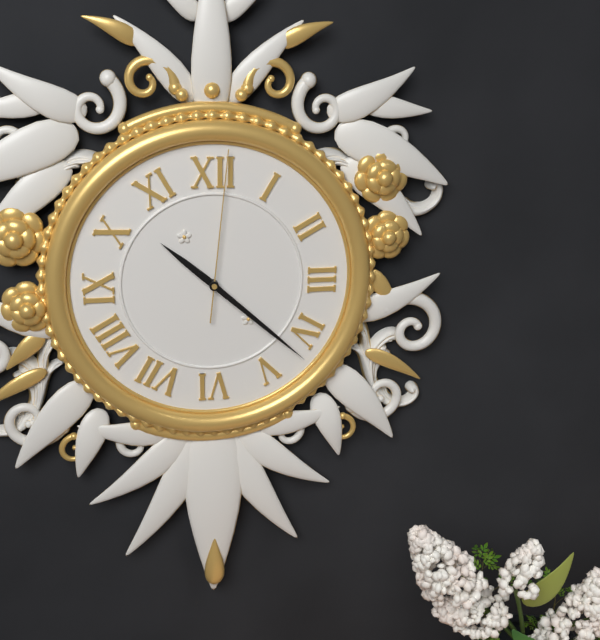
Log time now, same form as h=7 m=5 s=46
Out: h=10 m=22 s=1
